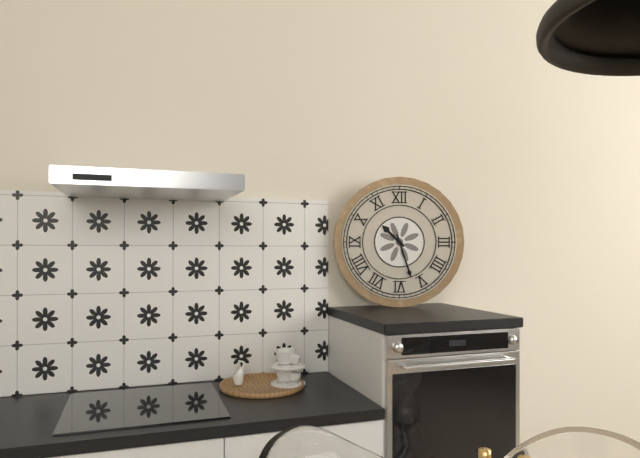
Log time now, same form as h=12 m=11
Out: h=10 m=27
